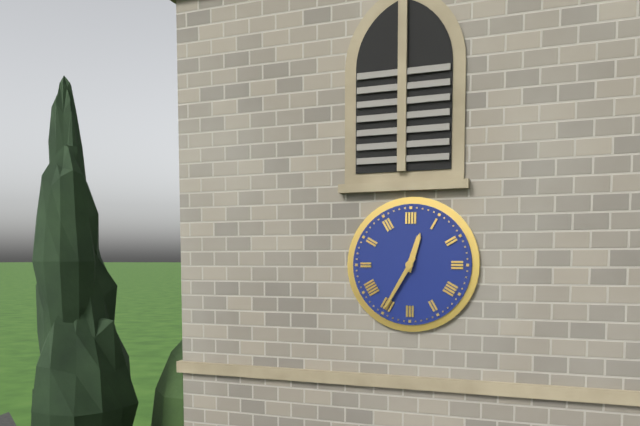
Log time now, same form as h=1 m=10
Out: h=12 m=35
